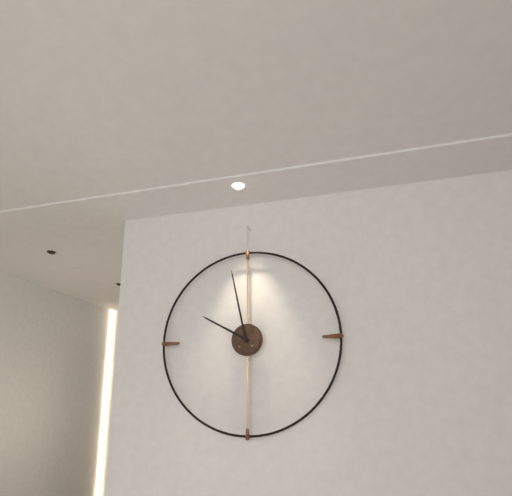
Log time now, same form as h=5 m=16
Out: h=9 m=58
